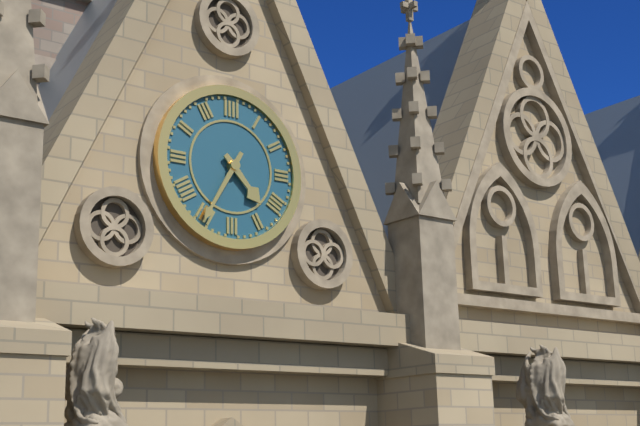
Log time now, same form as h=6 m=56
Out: h=4 m=35
